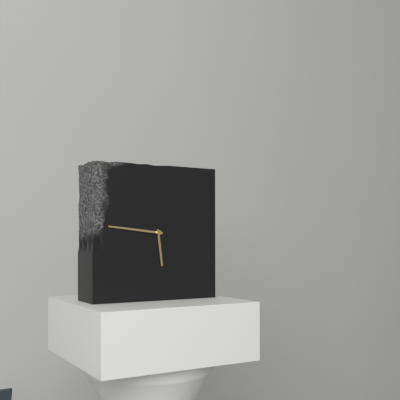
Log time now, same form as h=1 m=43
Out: h=5 m=46
